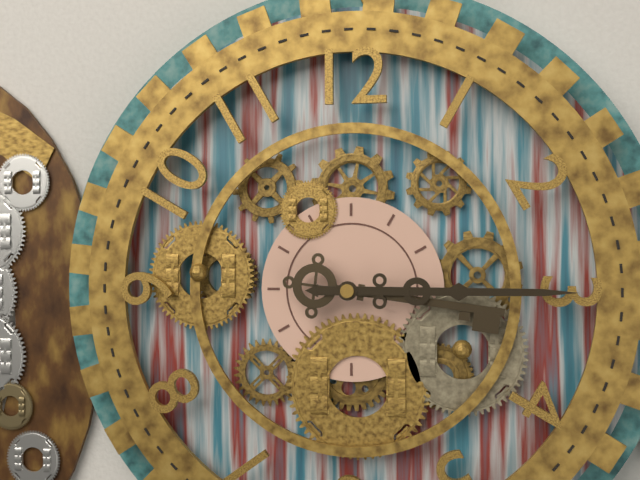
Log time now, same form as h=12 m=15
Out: h=3 m=15
